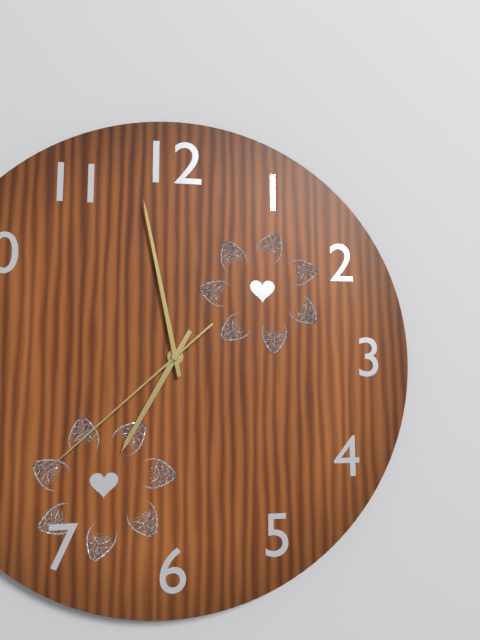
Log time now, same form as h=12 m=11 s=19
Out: h=6 m=58 s=38
